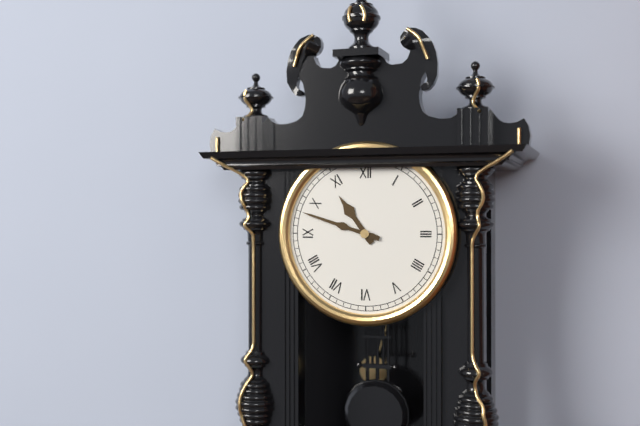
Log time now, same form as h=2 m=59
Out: h=10 m=48
